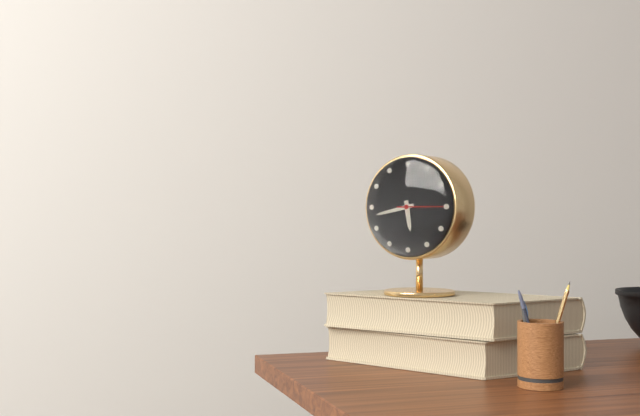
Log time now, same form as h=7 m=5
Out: h=5 m=43
